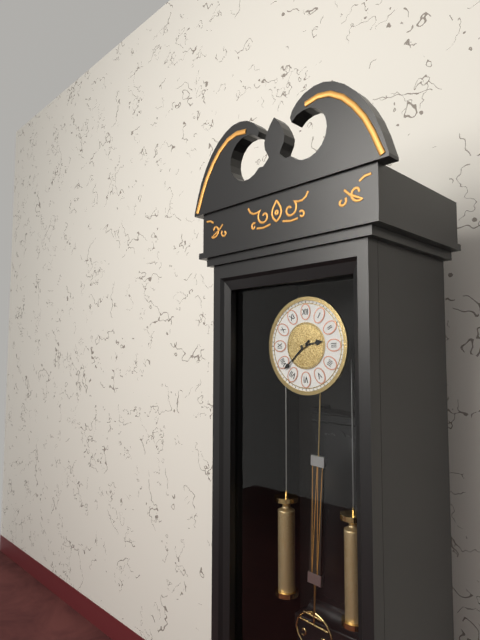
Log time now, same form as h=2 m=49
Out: h=2 m=38
